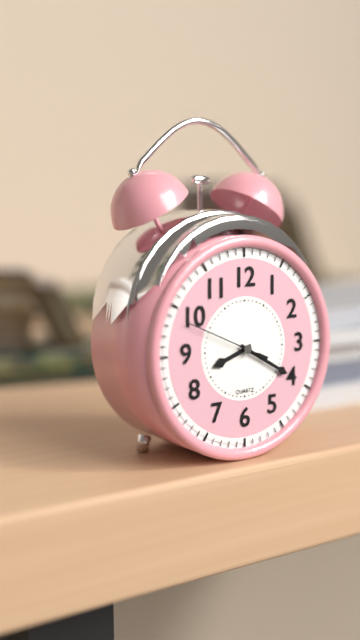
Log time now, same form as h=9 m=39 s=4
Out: h=8 m=20 s=49
